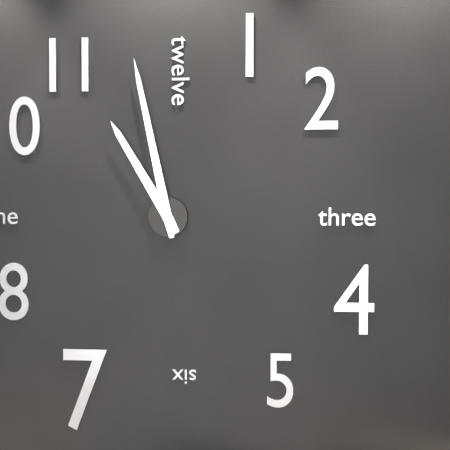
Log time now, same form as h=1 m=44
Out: h=10 m=58
